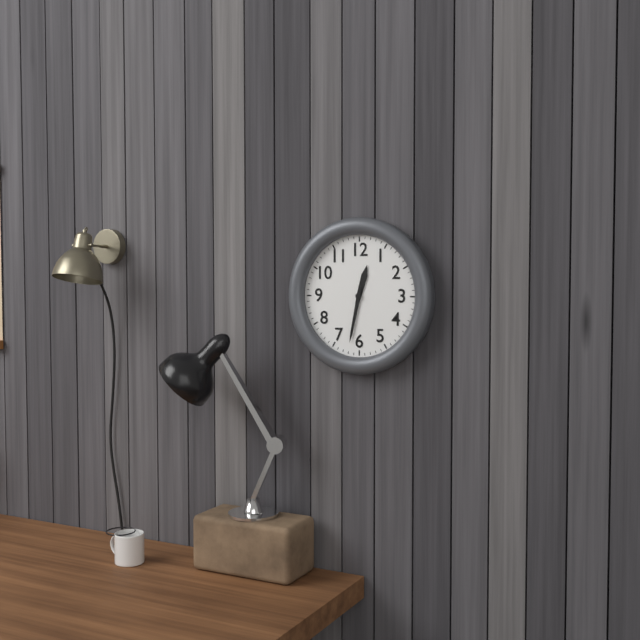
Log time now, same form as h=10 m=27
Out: h=12 m=32
